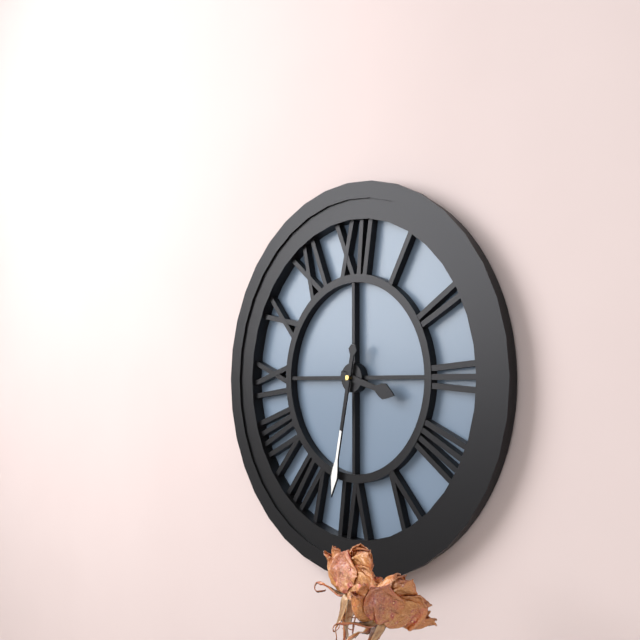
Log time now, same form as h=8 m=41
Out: h=3 m=32
